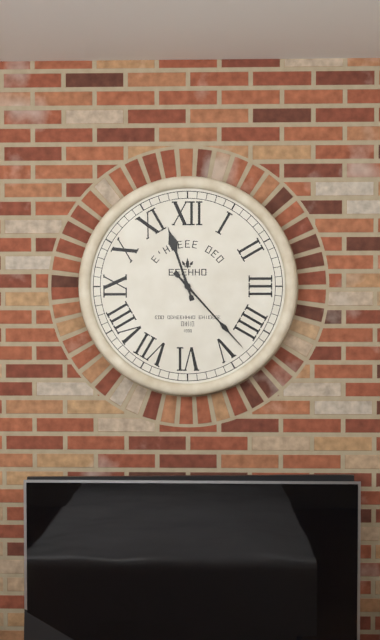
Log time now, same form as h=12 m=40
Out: h=11 m=23
